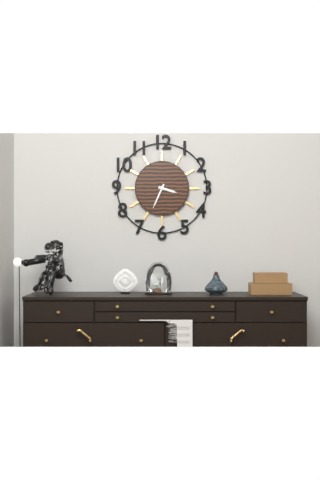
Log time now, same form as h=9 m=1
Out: h=3 m=34
